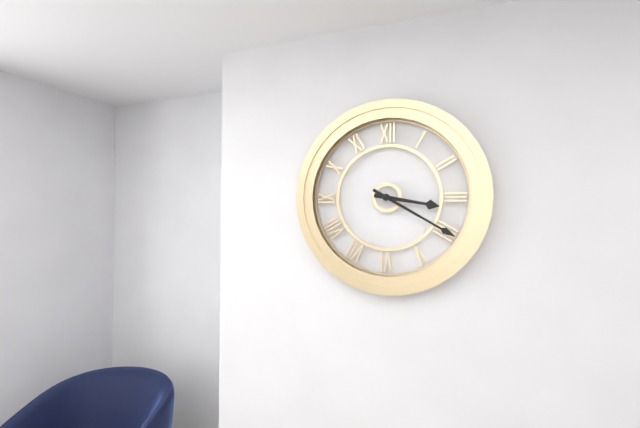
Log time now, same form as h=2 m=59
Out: h=3 m=20
